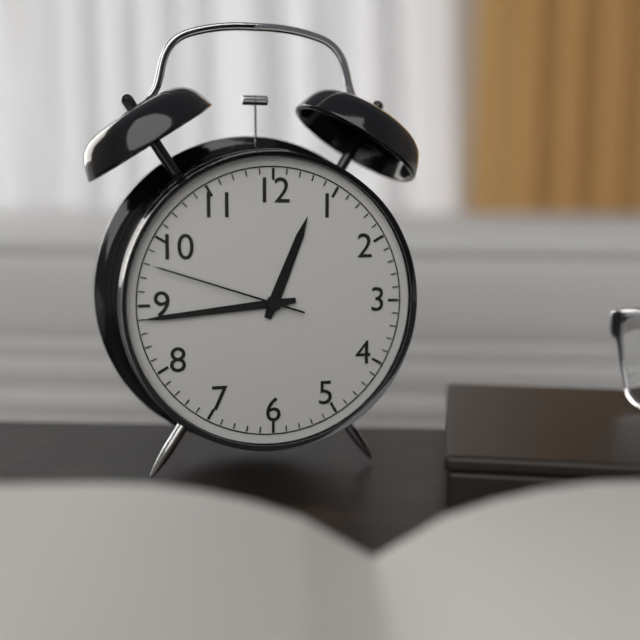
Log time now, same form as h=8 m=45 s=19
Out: h=12 m=44 s=48
